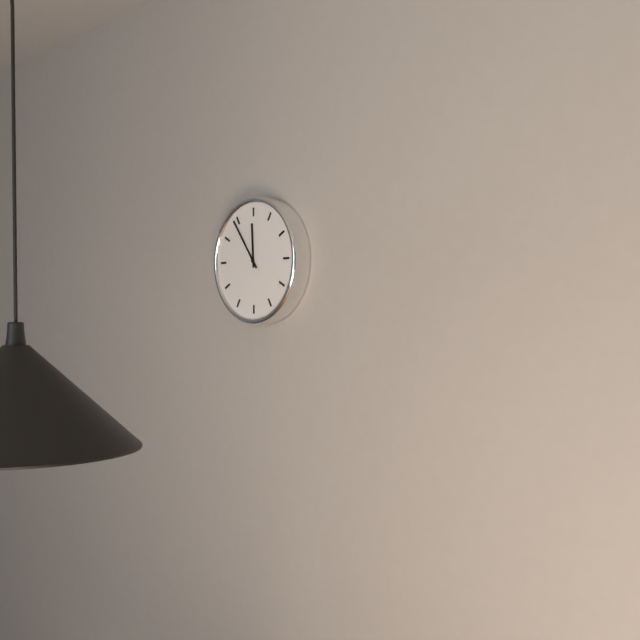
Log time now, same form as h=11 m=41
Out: h=11 m=54
